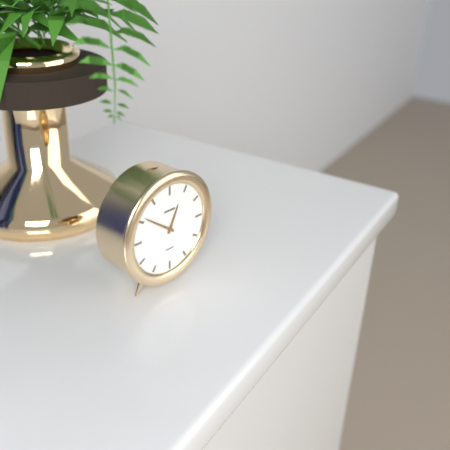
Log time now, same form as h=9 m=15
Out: h=12 m=51
